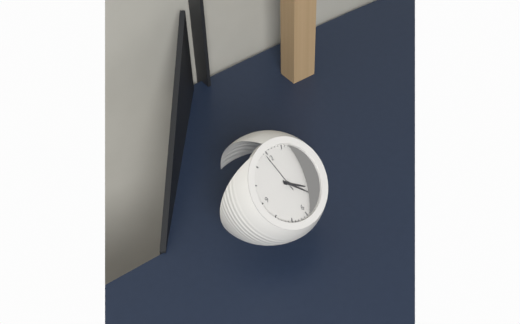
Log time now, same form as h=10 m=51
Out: h=4 m=24
